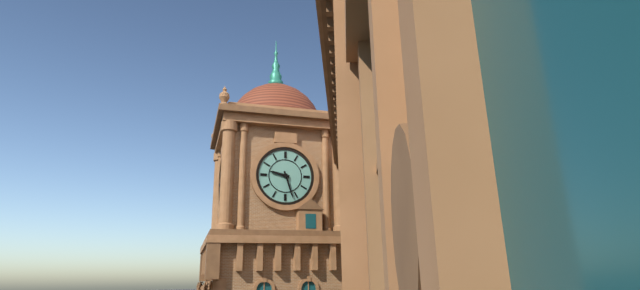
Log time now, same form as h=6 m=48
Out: h=9 m=27
